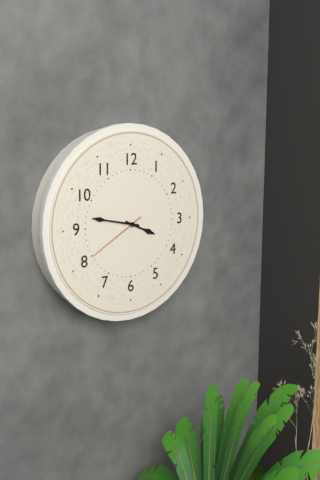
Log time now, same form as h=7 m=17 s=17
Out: h=3 m=47 s=40
